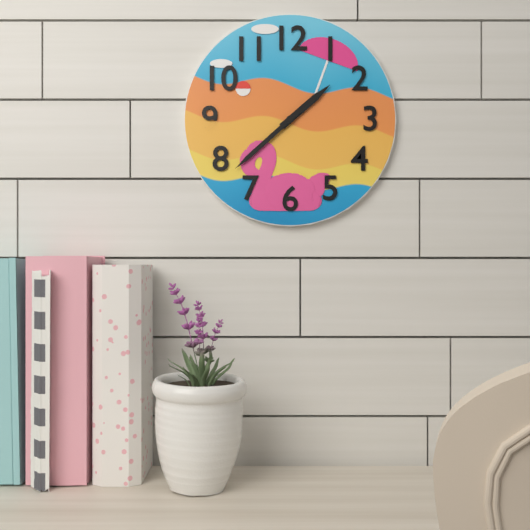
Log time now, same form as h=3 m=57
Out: h=1 m=38
